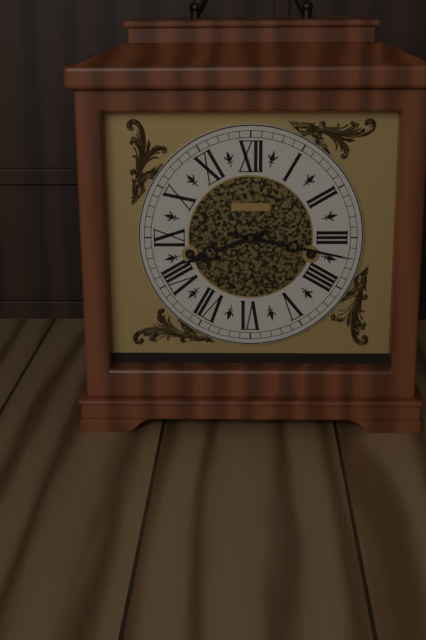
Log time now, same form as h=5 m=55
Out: h=8 m=17
